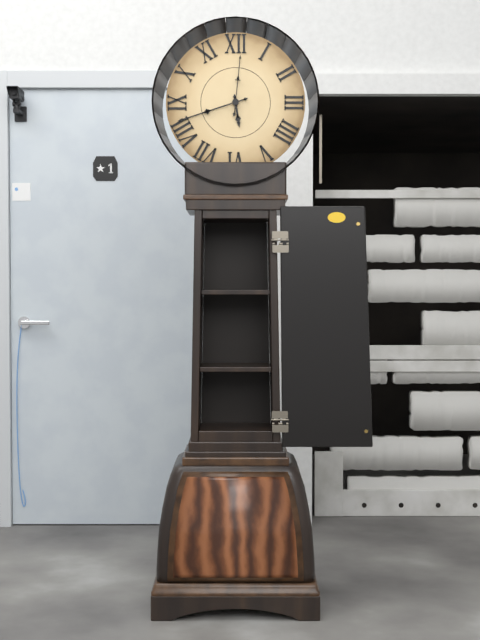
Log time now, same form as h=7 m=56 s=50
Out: h=5 m=42 s=1
